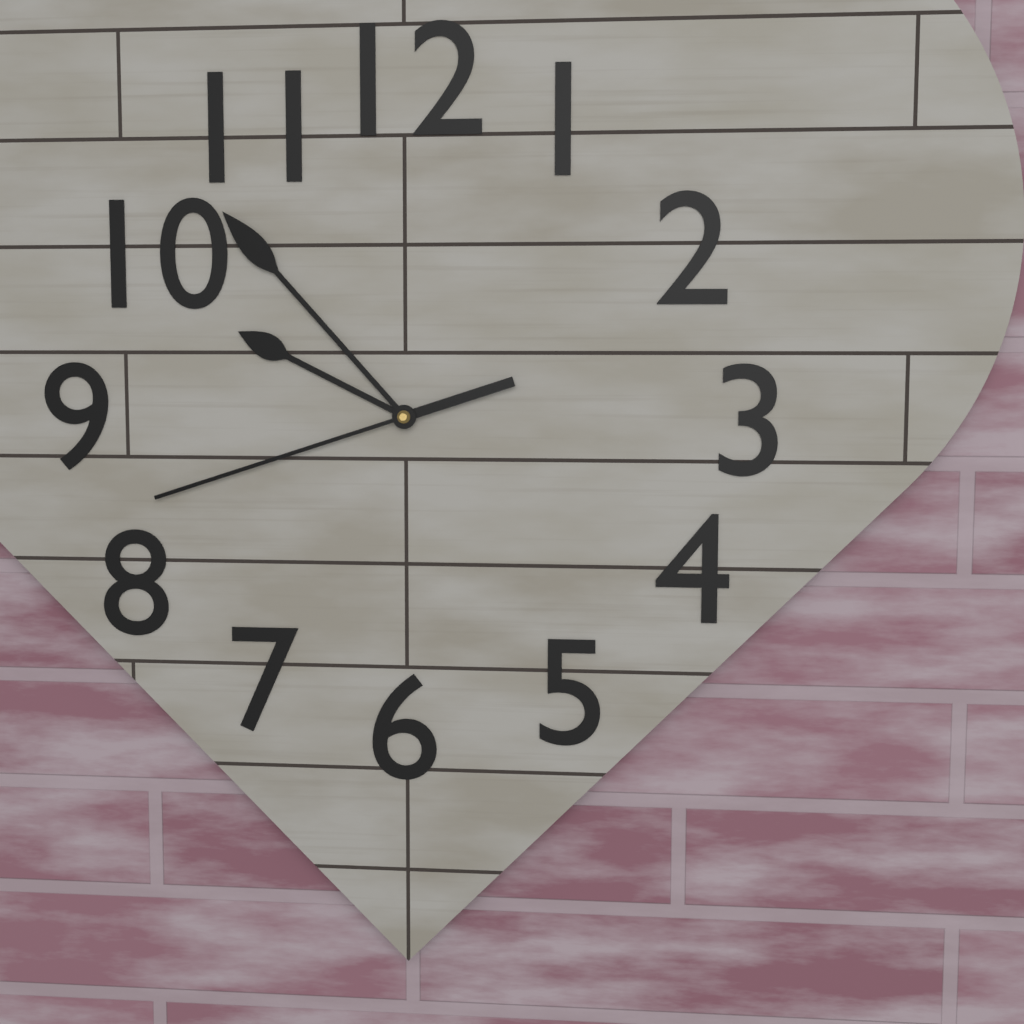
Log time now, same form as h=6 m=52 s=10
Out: h=9 m=53 s=42
